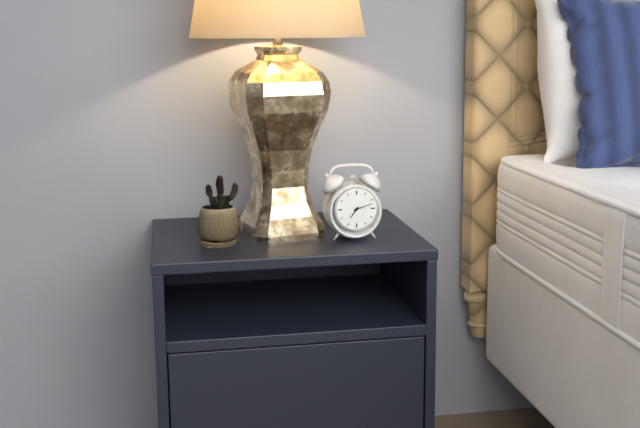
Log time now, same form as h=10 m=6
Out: h=7 m=12
